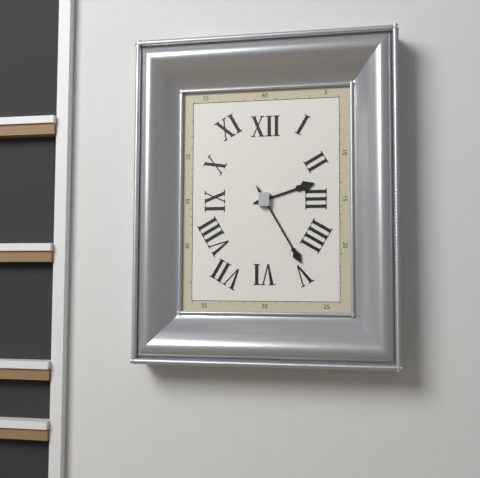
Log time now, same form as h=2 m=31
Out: h=2 m=25
